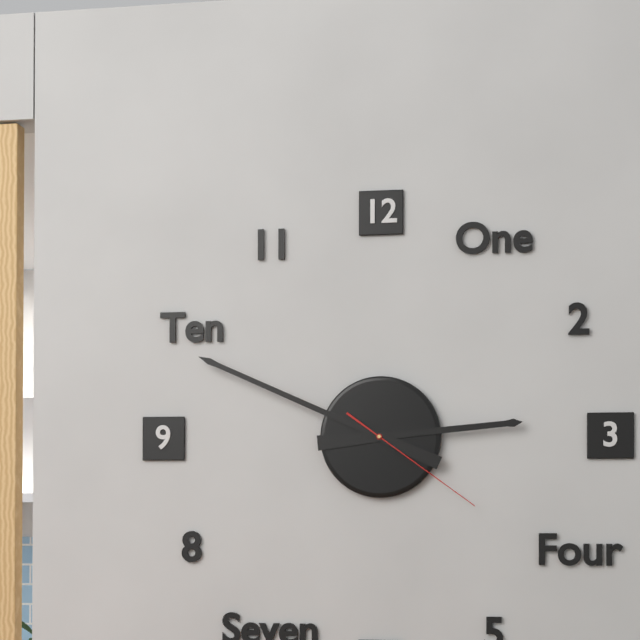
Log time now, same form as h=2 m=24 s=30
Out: h=2 m=49 s=21
